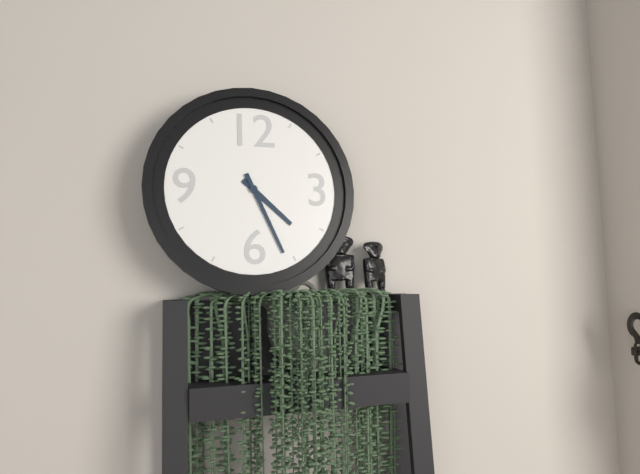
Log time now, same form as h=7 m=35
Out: h=4 m=26
